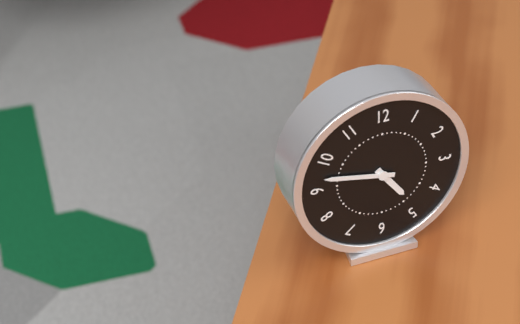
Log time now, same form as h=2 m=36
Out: h=4 m=47
